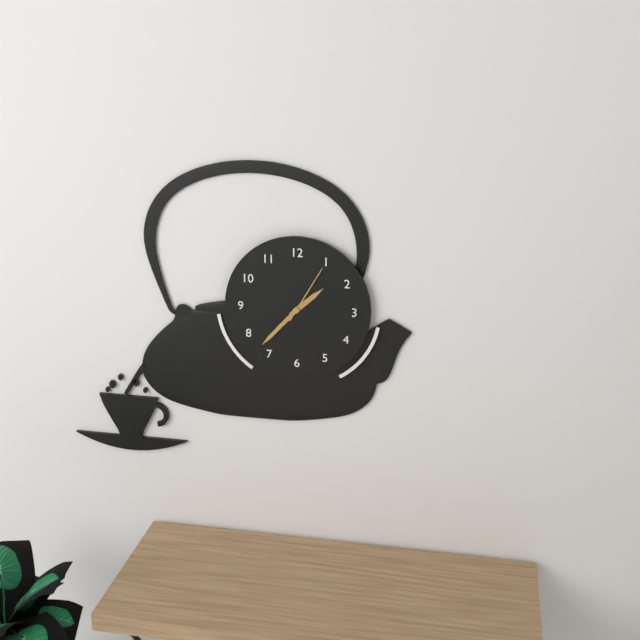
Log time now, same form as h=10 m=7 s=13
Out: h=1 m=37 s=5
